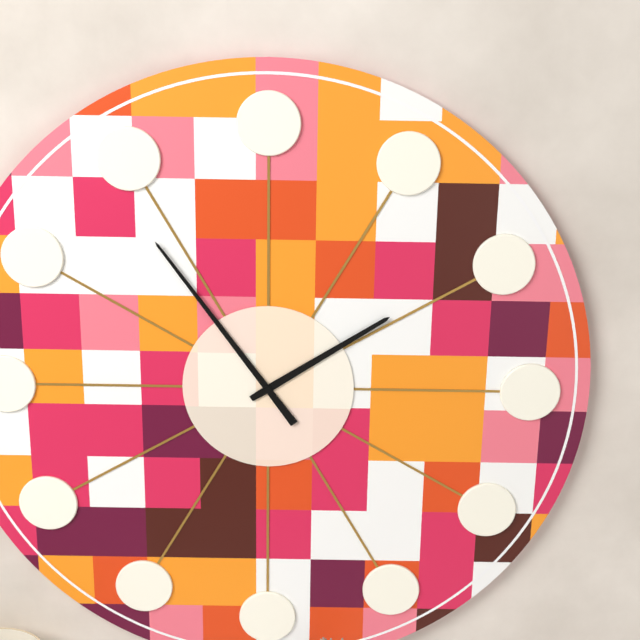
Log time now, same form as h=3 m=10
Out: h=1 m=54
